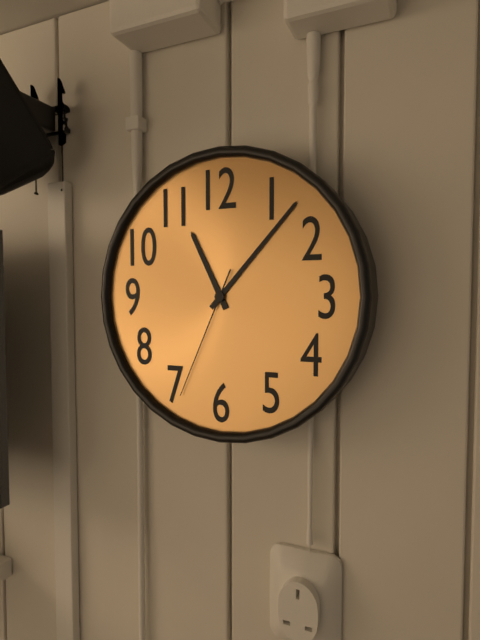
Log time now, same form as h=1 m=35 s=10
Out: h=11 m=7 s=34
